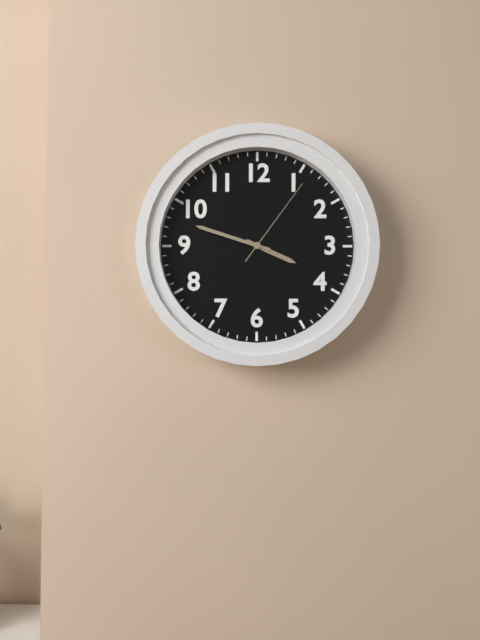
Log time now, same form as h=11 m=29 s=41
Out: h=3 m=48 s=6
